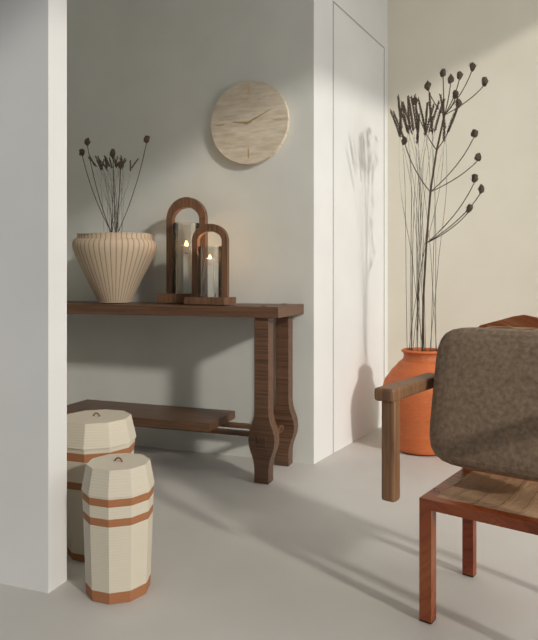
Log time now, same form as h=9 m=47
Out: h=9 m=11
